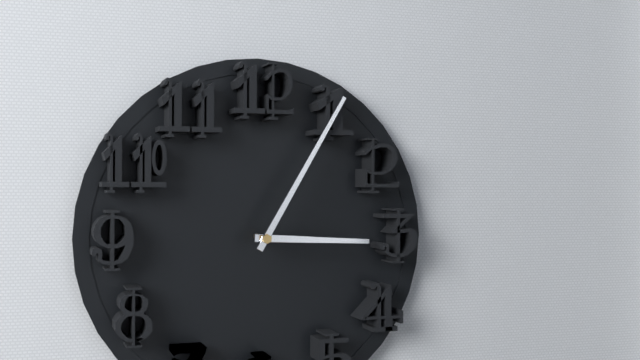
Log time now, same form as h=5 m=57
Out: h=3 m=5
